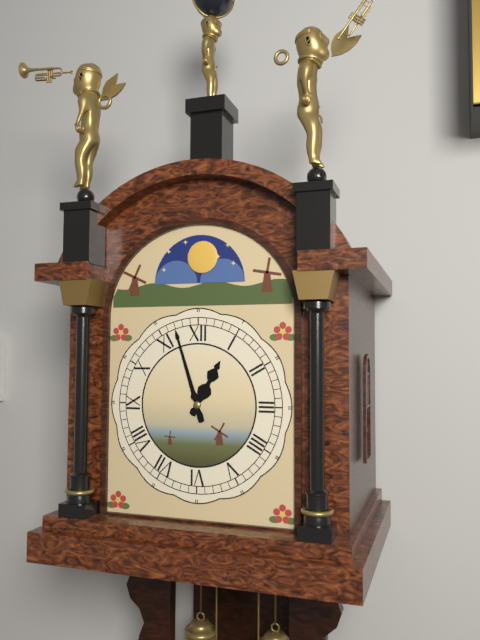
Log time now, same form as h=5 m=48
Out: h=12 m=57
